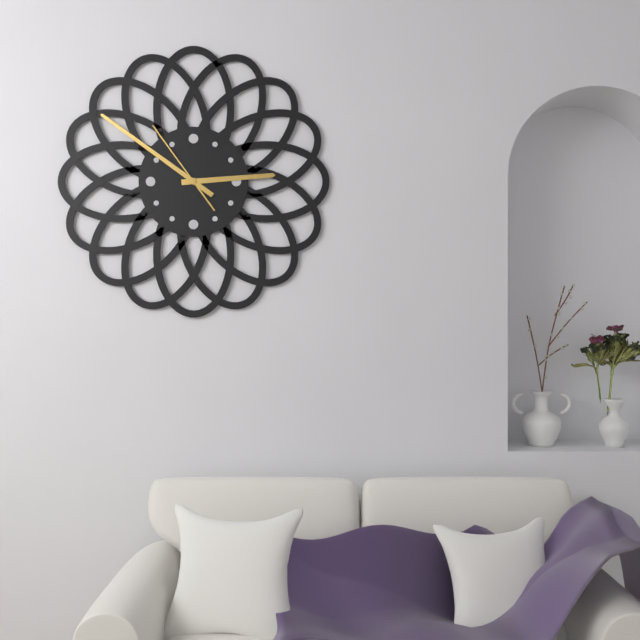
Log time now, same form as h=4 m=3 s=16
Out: h=2 m=51 s=54
